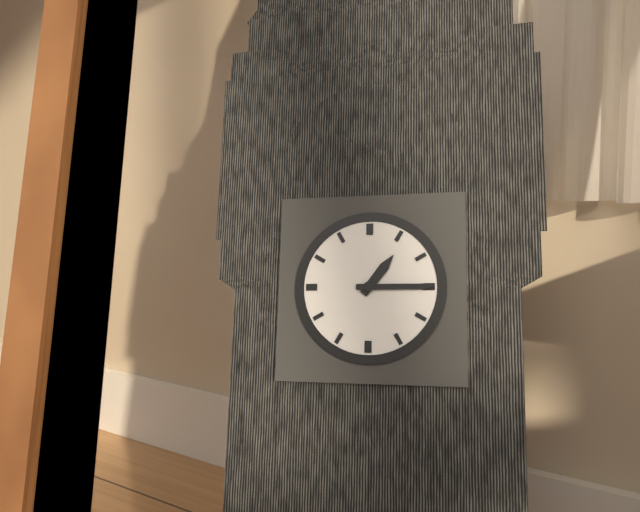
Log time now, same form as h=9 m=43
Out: h=1 m=15
